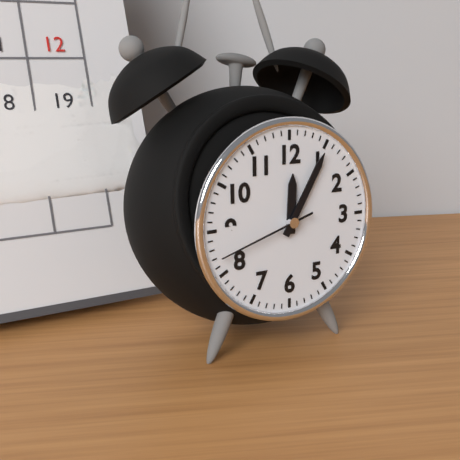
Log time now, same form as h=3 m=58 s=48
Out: h=12 m=5 s=42
